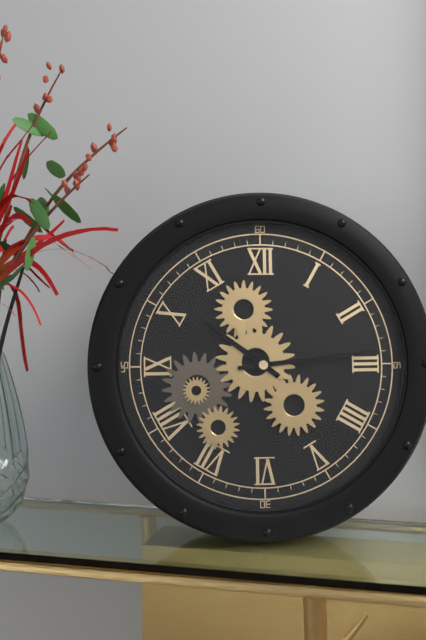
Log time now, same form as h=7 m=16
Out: h=10 m=14
